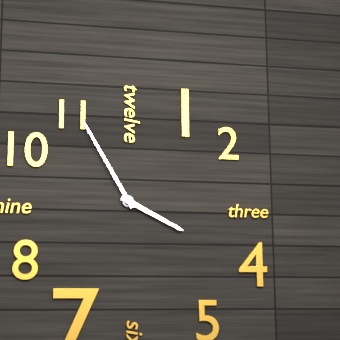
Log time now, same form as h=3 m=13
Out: h=3 m=55
